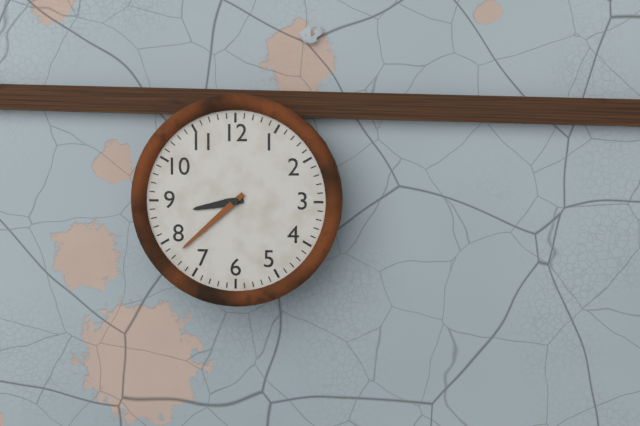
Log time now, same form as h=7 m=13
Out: h=8 m=38
